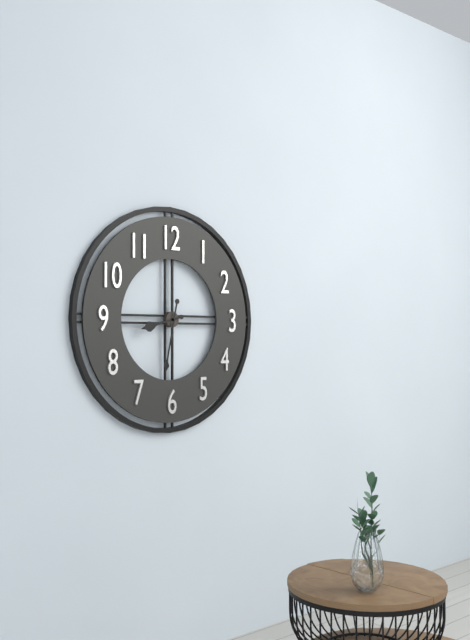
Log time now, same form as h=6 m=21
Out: h=8 m=32
